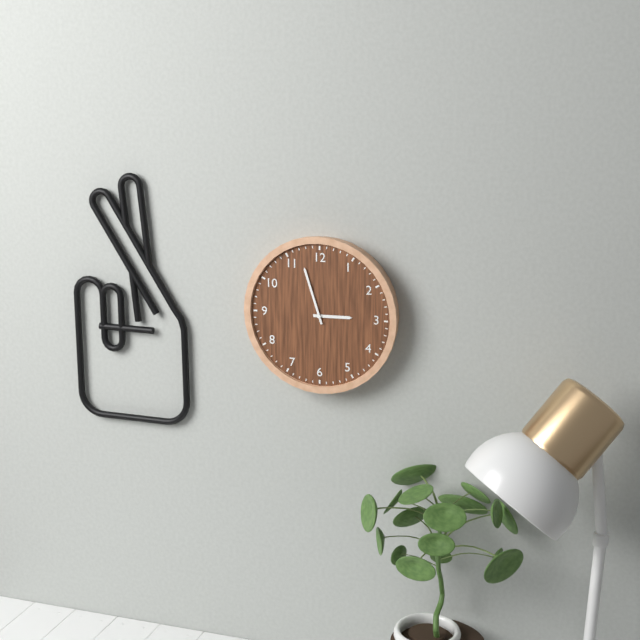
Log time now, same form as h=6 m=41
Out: h=2 m=57
